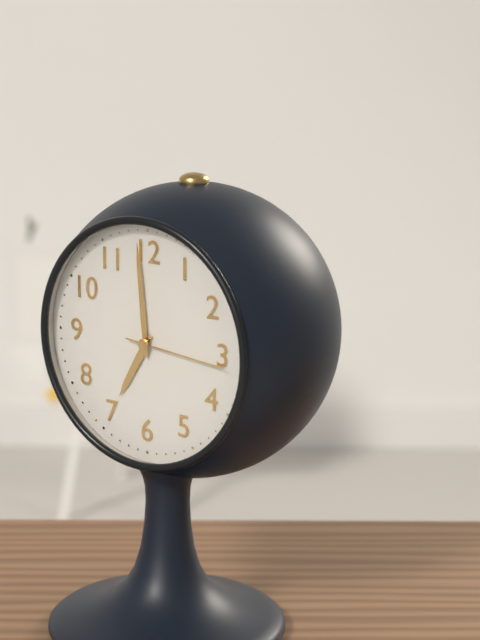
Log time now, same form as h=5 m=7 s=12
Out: h=6 m=59 s=16
